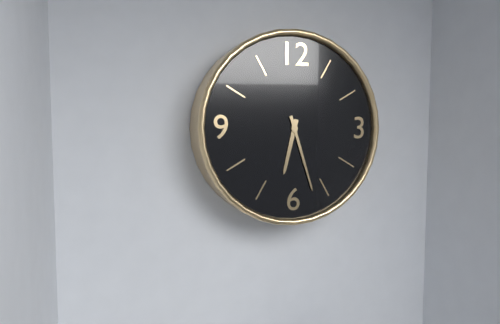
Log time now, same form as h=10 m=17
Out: h=6 m=27
